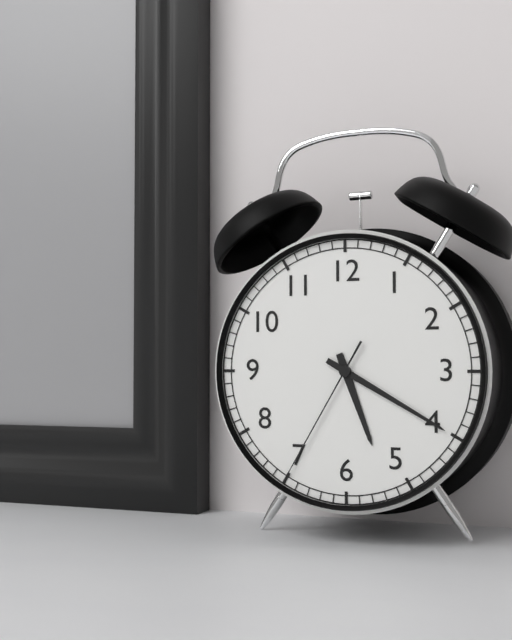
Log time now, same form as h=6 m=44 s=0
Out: h=5 m=20 s=35
